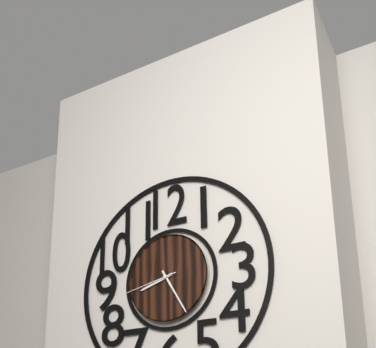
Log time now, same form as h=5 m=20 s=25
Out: h=8 m=25 s=43
